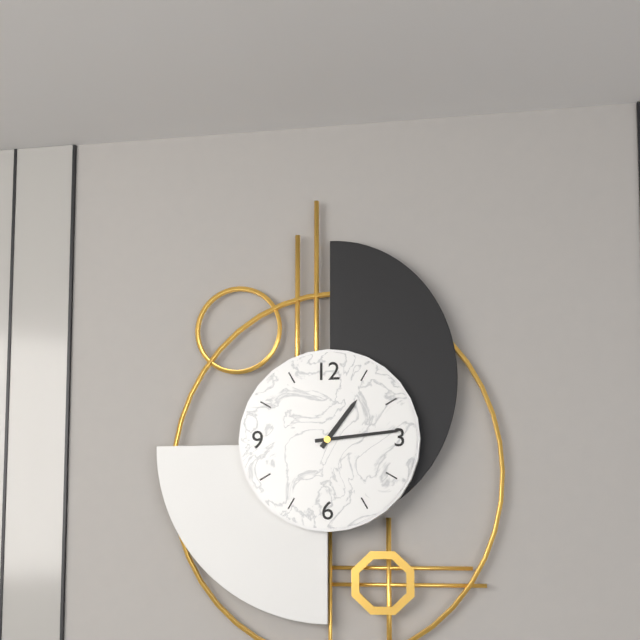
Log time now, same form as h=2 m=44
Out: h=1 m=14
